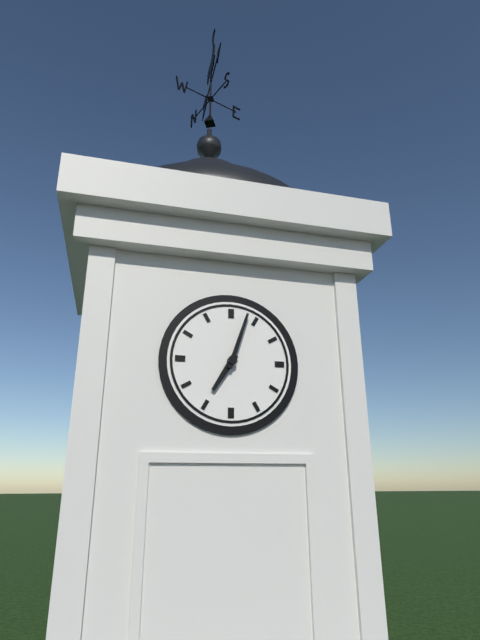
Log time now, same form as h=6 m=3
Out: h=7 m=3
